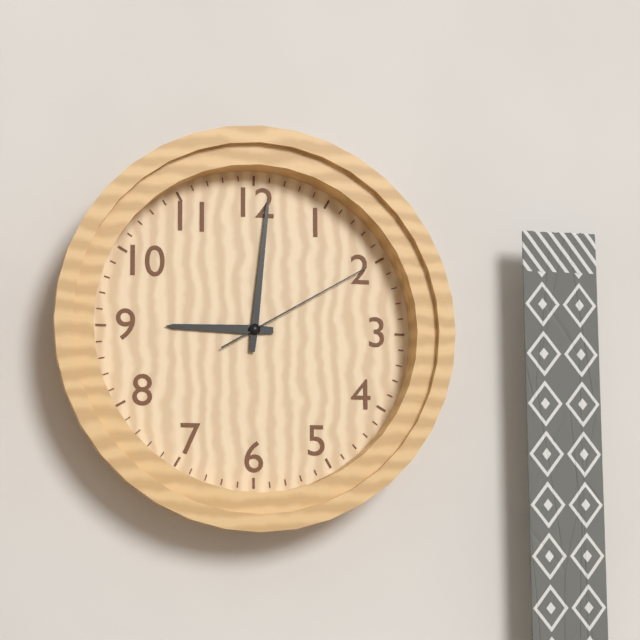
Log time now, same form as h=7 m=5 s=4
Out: h=9 m=1 s=10
